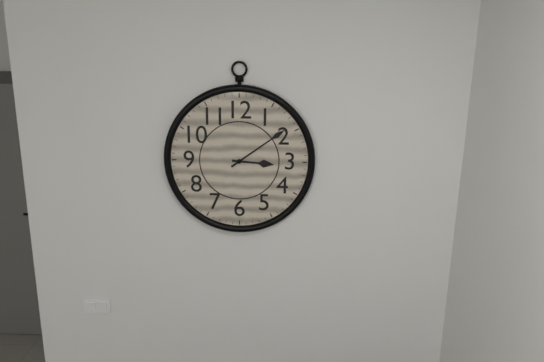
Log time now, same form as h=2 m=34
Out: h=3 m=9
